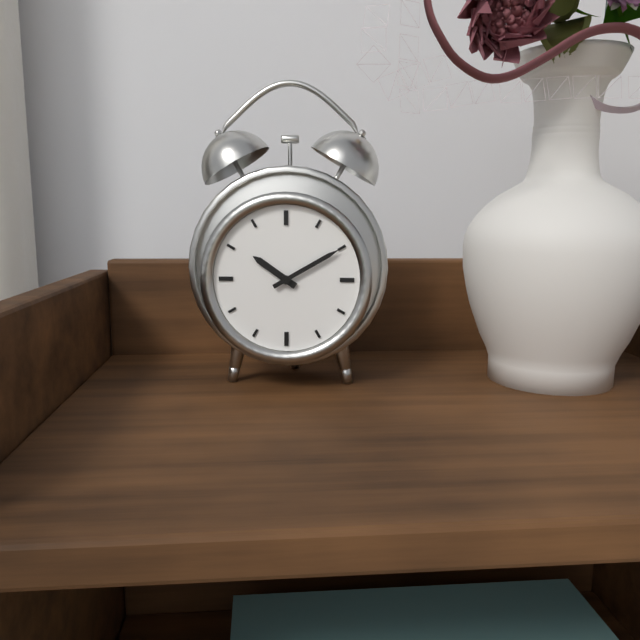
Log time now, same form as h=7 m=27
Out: h=10 m=10
